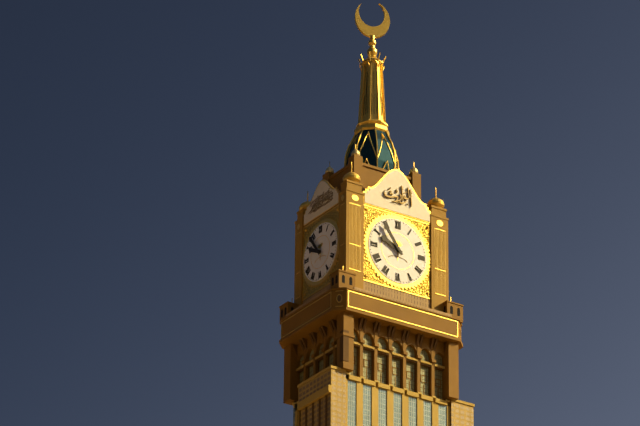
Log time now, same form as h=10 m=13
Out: h=9 m=54
